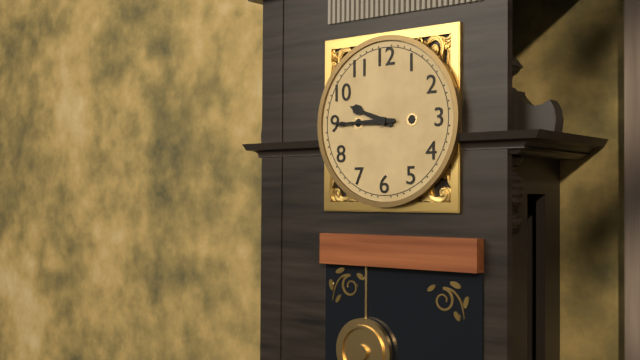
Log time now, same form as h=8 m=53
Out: h=9 m=45
